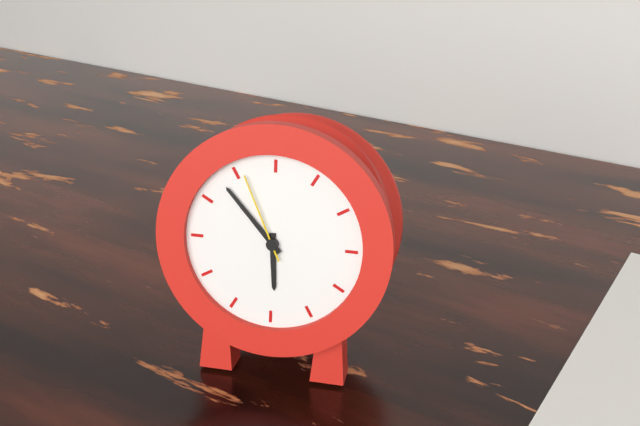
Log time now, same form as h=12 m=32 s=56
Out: h=5 m=53 s=56
